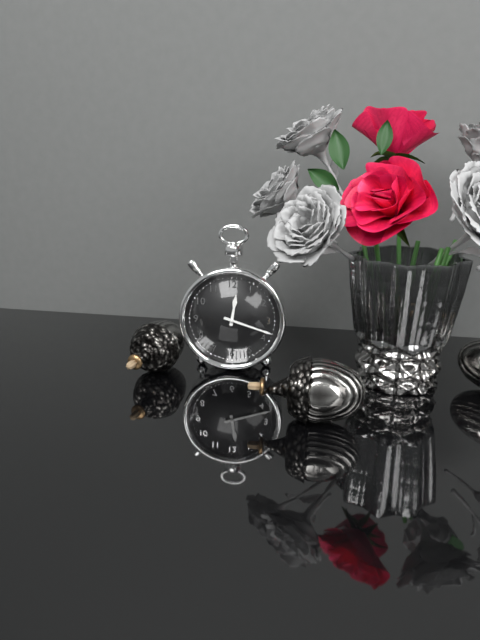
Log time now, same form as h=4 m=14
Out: h=12 m=18
